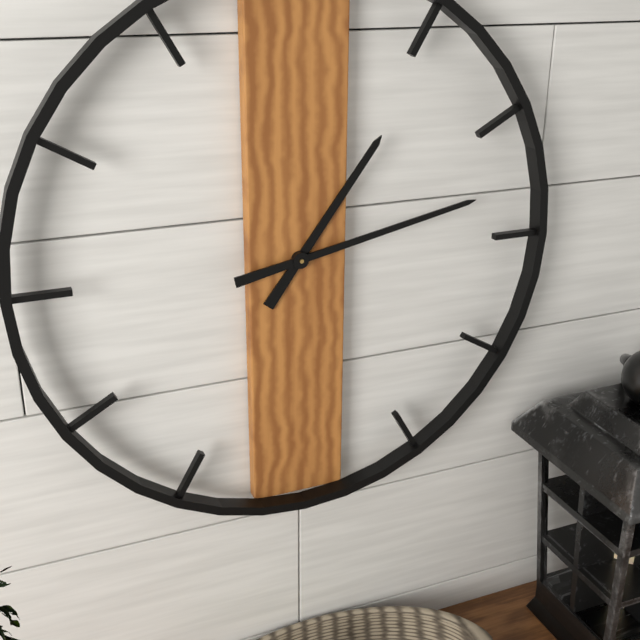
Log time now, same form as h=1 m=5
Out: h=1 m=13
